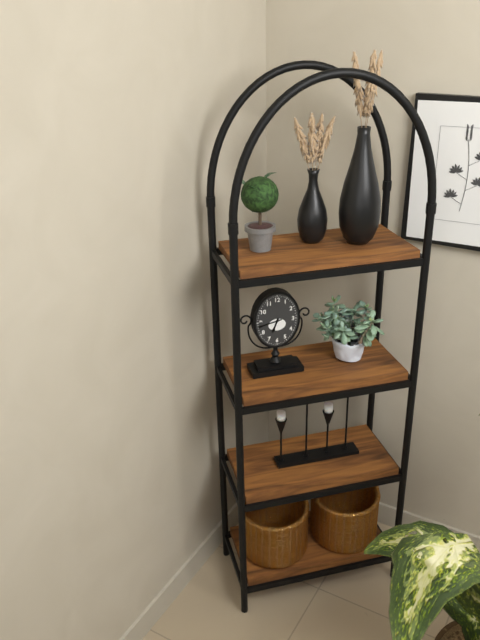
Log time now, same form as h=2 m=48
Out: h=6 m=43
